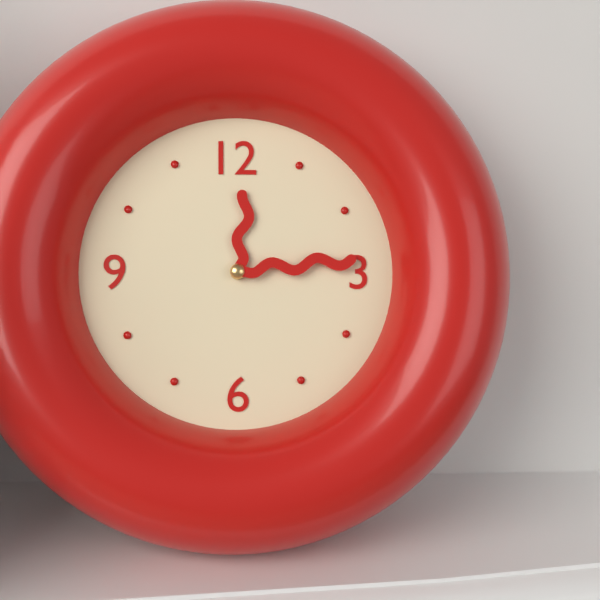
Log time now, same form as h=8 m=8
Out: h=12 m=14
